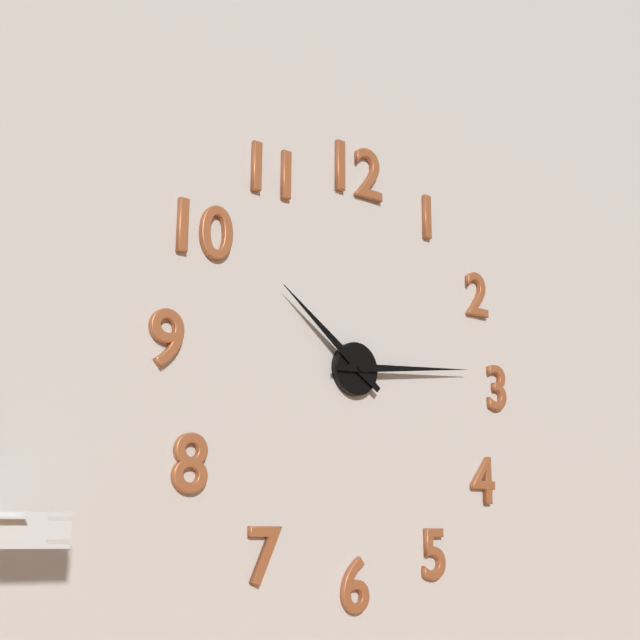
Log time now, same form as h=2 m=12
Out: h=10 m=14
